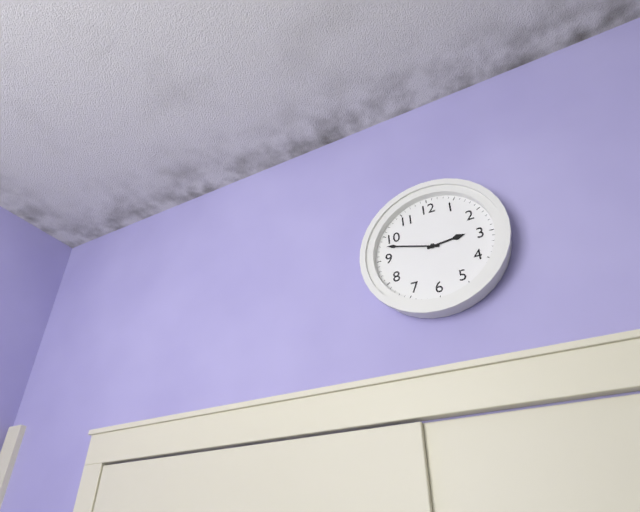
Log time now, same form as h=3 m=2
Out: h=2 m=48
